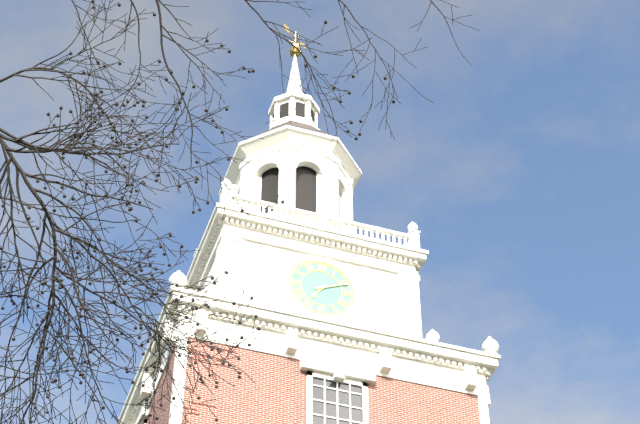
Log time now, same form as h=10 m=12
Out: h=7 m=11
